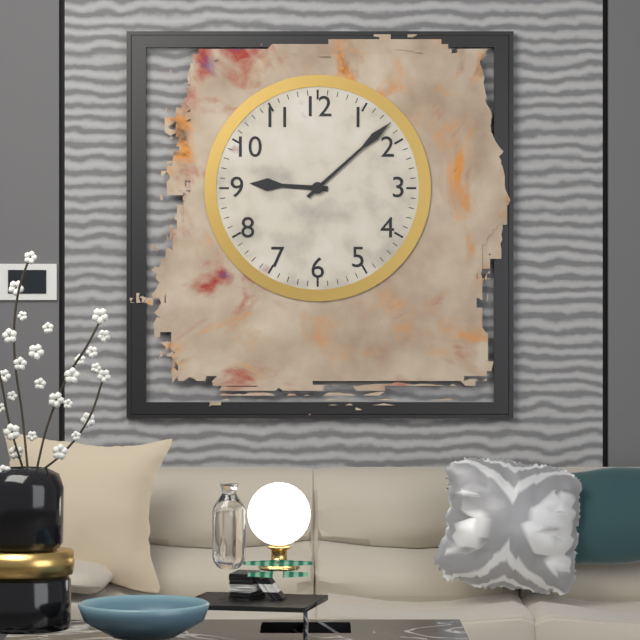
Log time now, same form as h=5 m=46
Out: h=9 m=8
